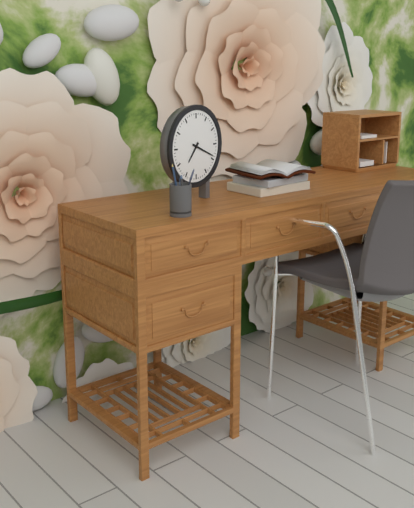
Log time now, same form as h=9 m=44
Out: h=7 m=19
